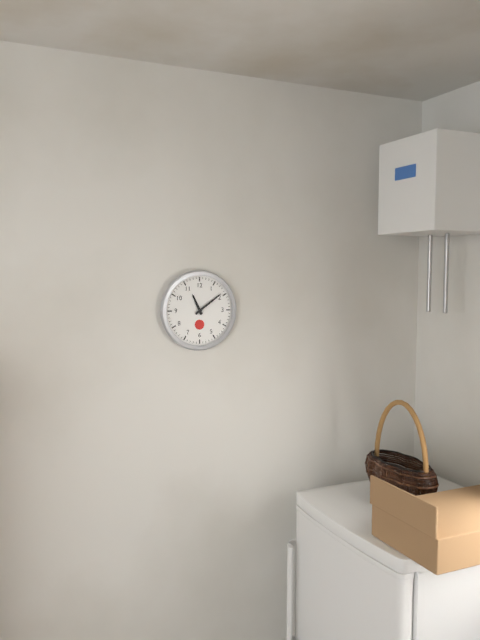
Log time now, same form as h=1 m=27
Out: h=11 m=9
